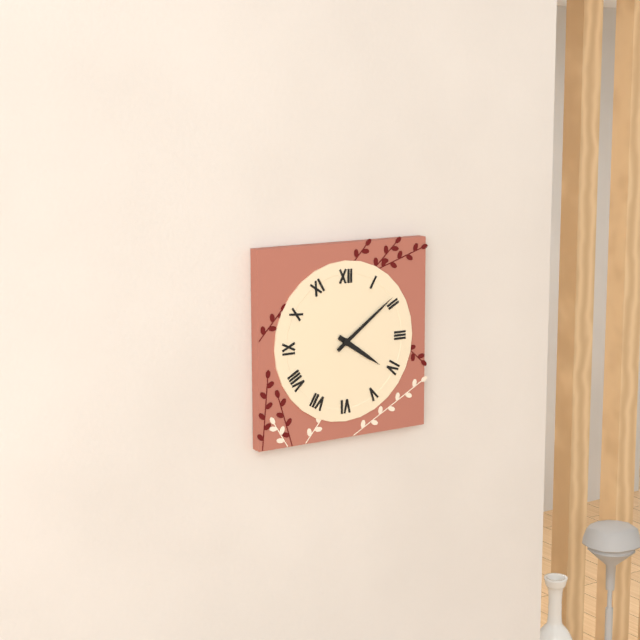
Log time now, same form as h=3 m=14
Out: h=4 m=9
